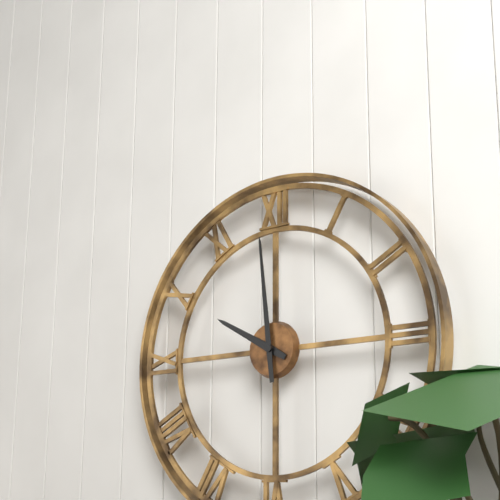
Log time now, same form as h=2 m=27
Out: h=9 m=59
